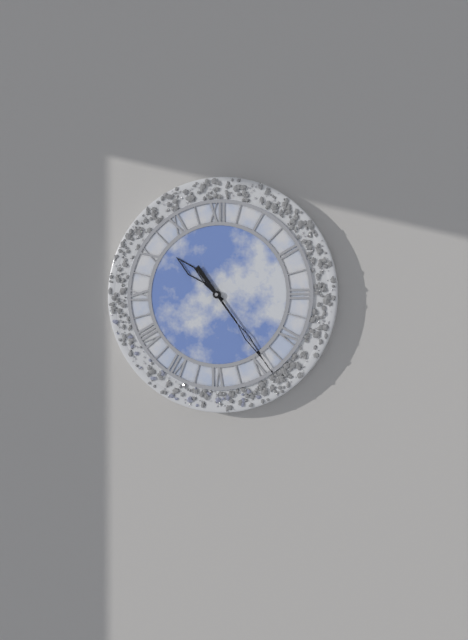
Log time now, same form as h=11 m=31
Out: h=10 m=24
